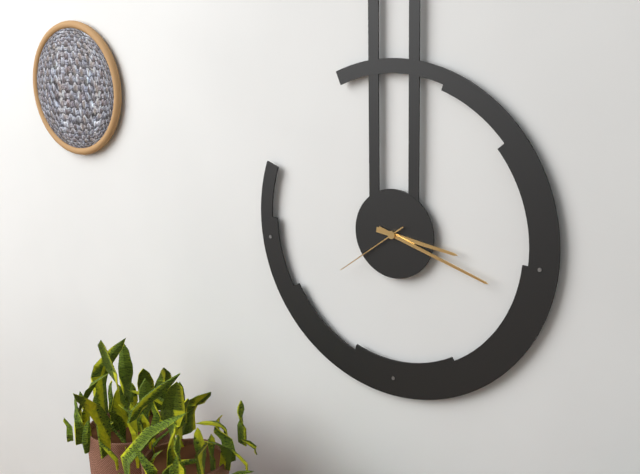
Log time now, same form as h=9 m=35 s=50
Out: h=3 m=18 s=39
